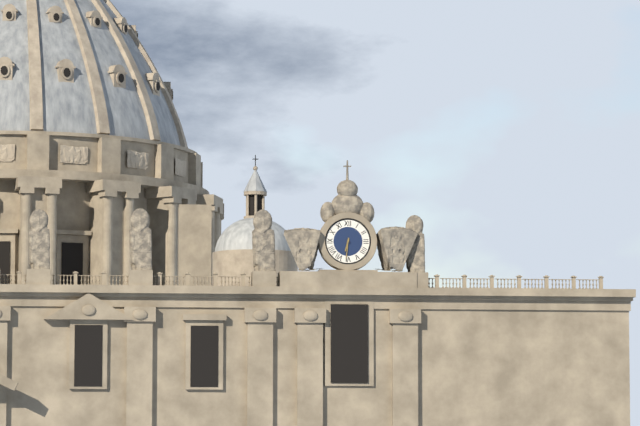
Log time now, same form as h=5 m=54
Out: h=6 m=31
